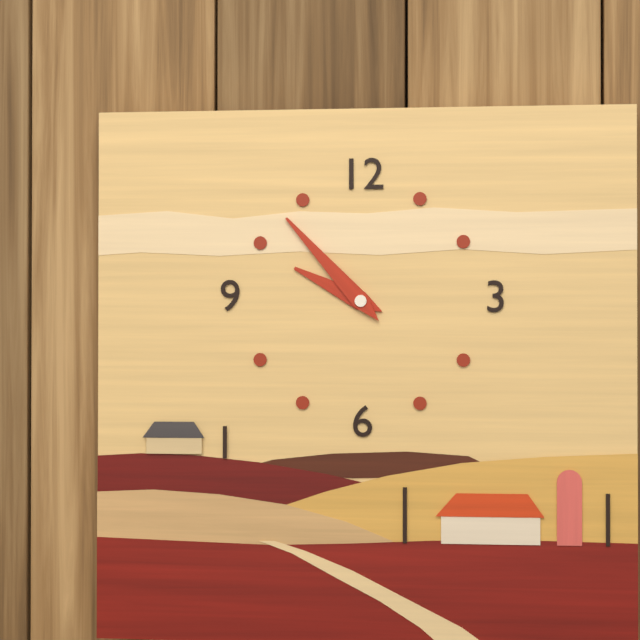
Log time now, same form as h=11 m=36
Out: h=9 m=53
